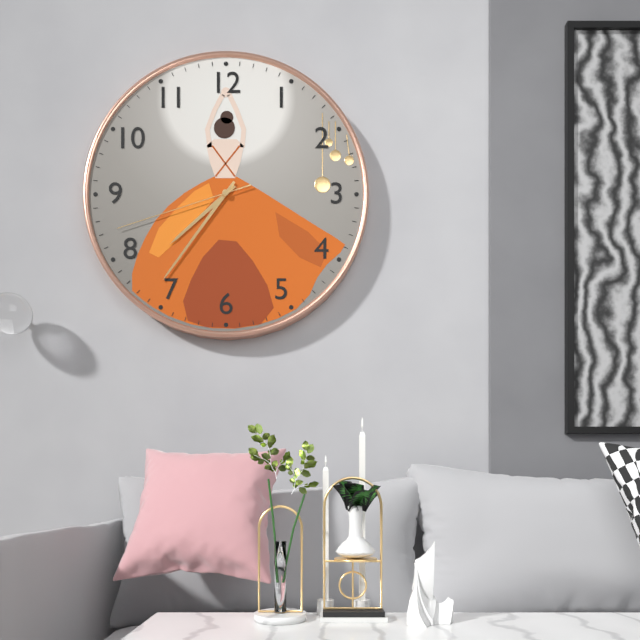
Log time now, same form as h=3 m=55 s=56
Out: h=7 m=36 s=42
